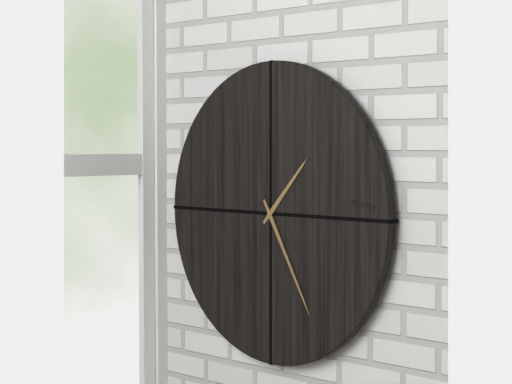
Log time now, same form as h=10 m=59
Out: h=1 m=25
